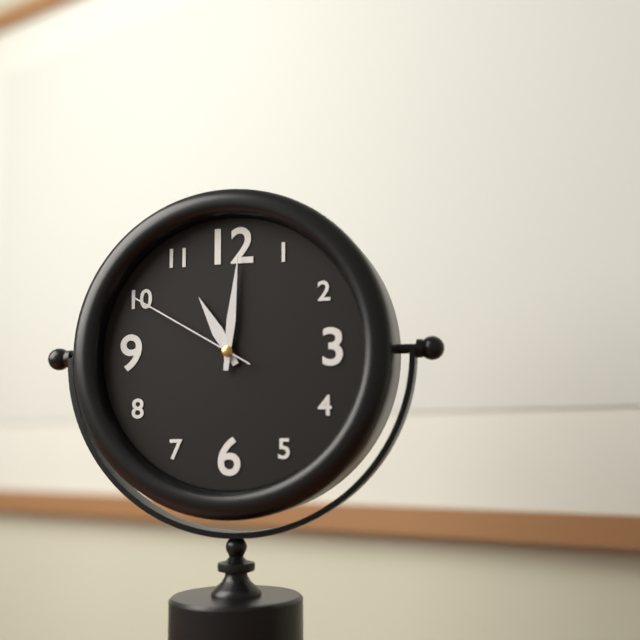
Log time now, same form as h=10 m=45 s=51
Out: h=11 m=1 s=50
